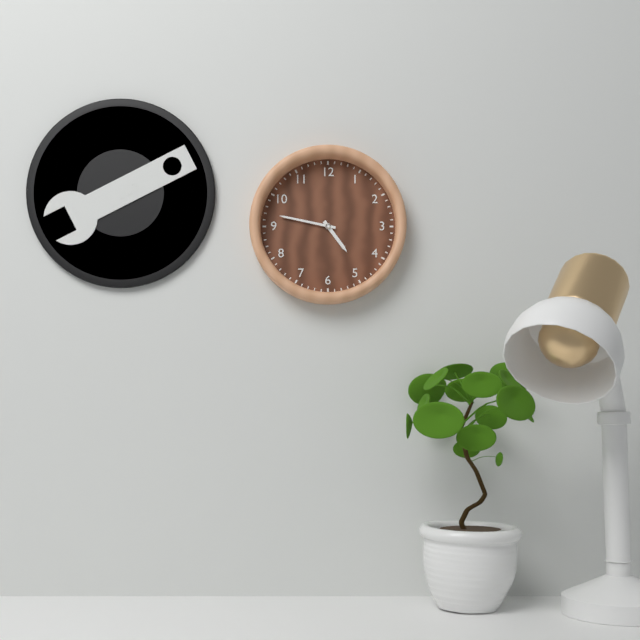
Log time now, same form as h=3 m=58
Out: h=4 m=47
